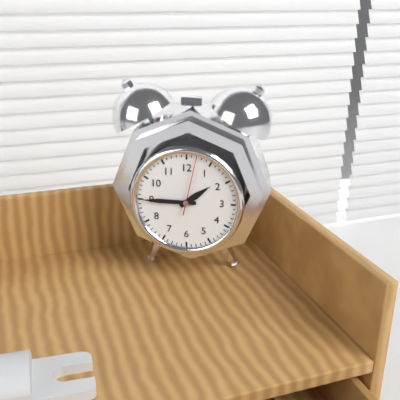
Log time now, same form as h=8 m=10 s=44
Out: h=1 m=45 s=2
